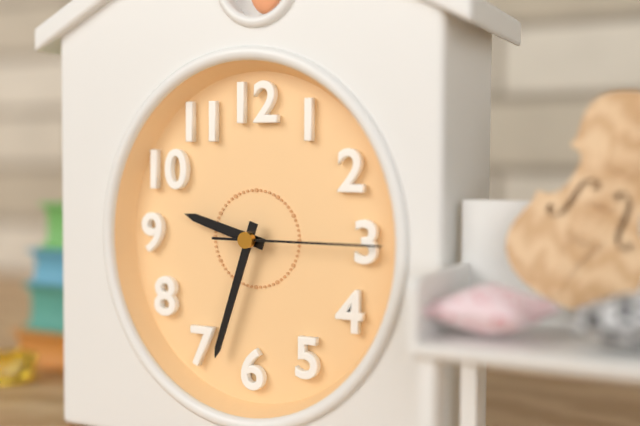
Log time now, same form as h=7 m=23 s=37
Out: h=9 m=33 s=15
